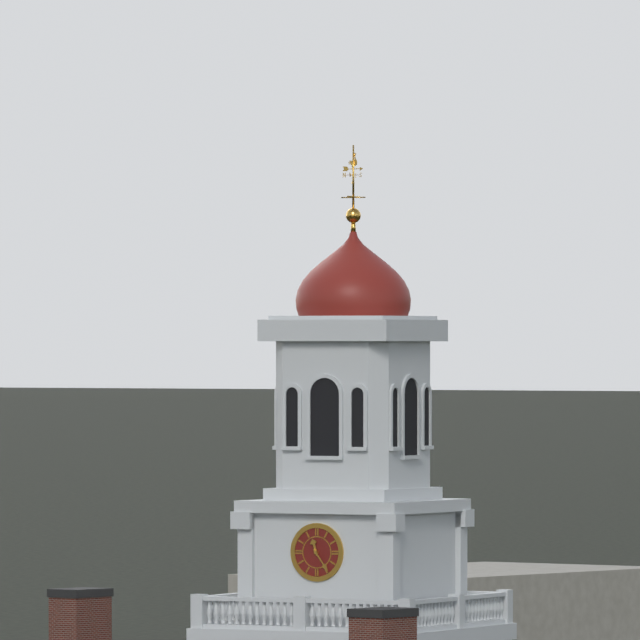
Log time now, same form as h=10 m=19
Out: h=11 m=24
